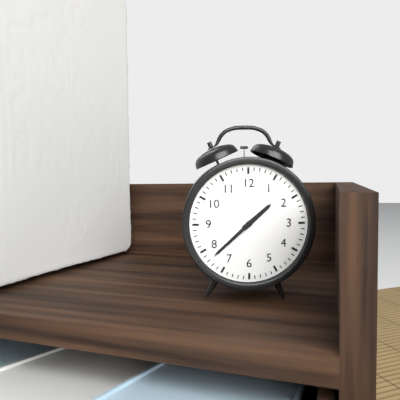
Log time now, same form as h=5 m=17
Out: h=1 m=38
